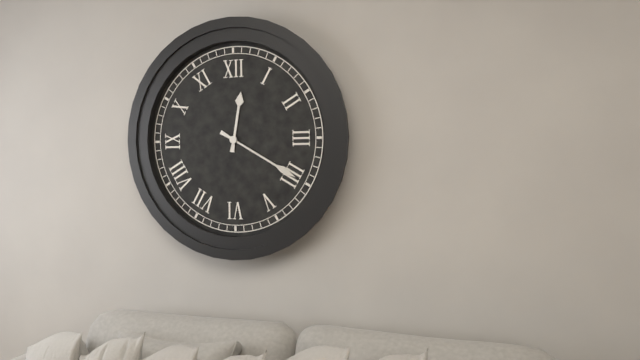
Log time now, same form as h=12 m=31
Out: h=12 m=20
